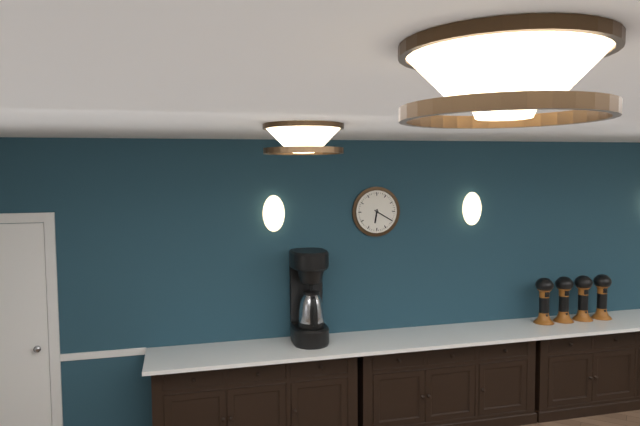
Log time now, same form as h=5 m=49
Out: h=6 m=20
